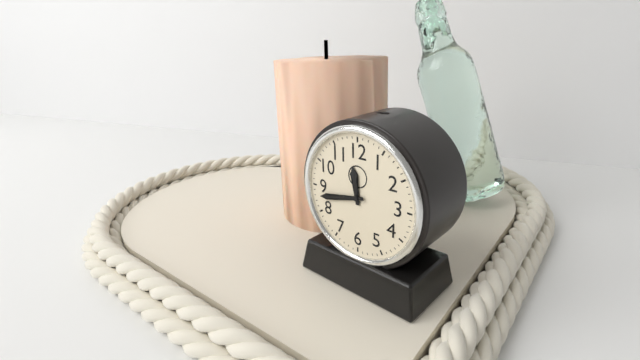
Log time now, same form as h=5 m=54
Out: h=11 m=43
